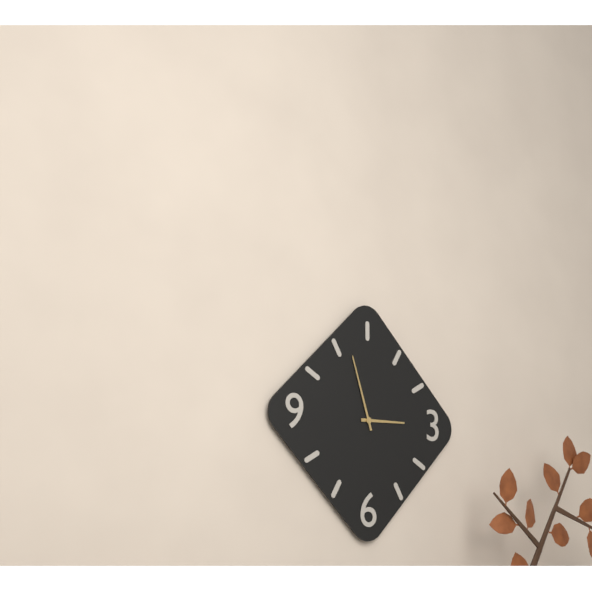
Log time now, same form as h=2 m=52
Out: h=2 m=57
